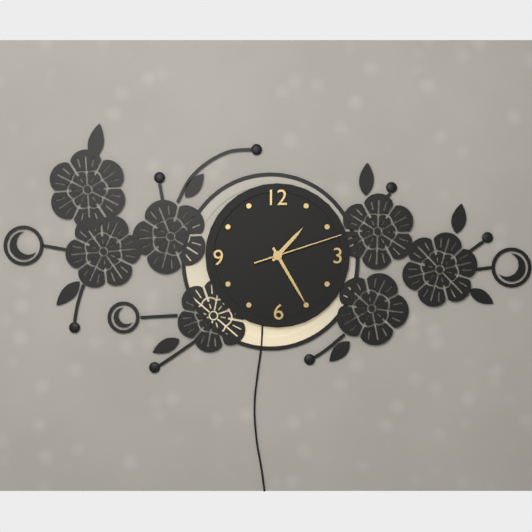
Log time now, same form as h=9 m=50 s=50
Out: h=1 m=25 s=12
